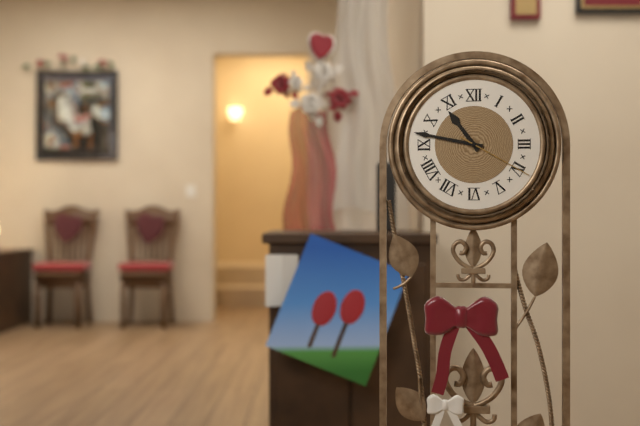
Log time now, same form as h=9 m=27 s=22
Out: h=10 m=47 s=20
